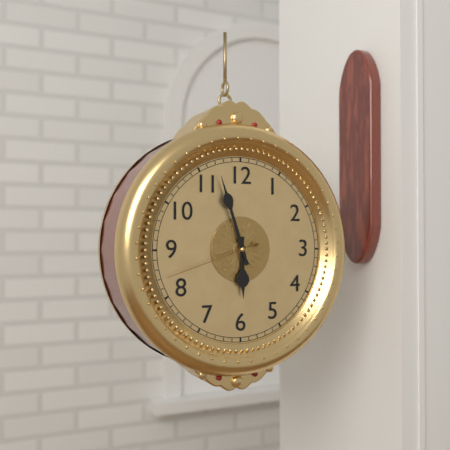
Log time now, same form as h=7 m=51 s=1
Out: h=5 m=57 s=42
